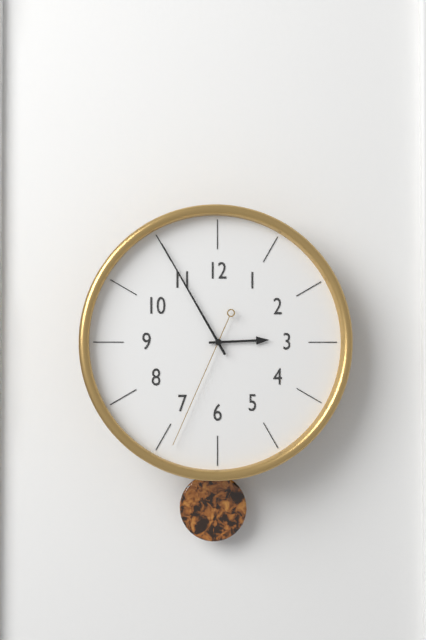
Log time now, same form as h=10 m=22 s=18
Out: h=2 m=55 s=34
